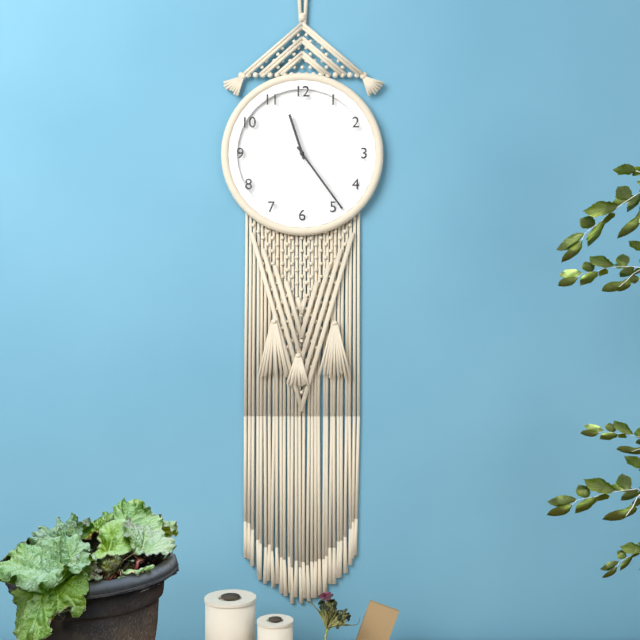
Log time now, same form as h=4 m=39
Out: h=11 m=24
